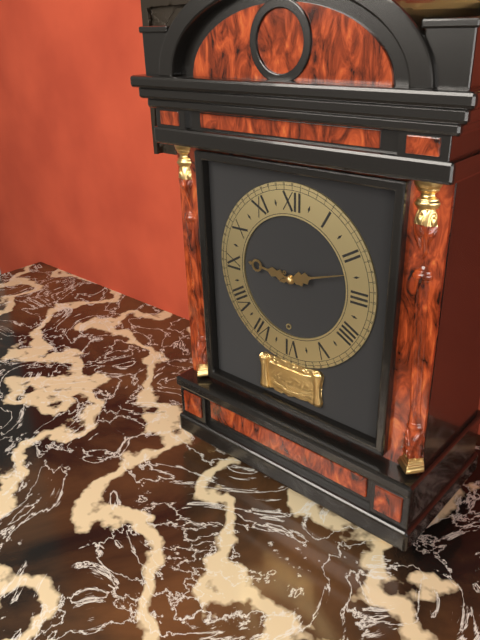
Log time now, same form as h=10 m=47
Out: h=9 m=12
